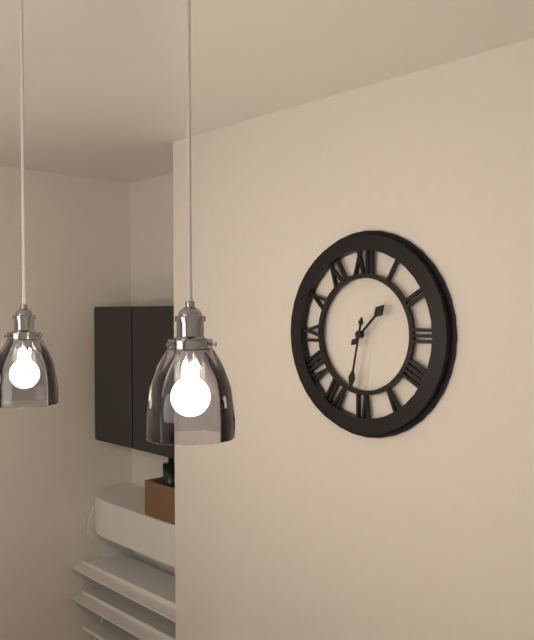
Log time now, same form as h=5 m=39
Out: h=1 m=32
